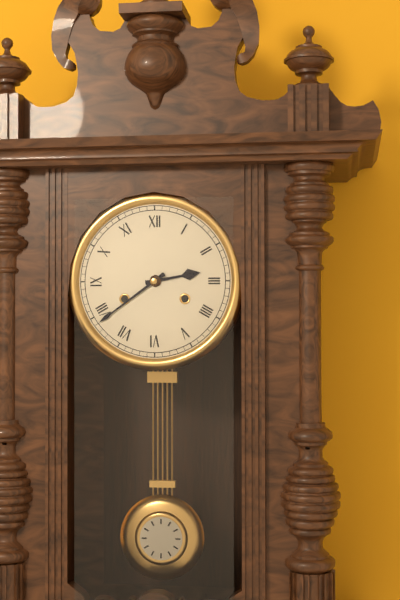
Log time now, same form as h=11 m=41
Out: h=2 m=39
